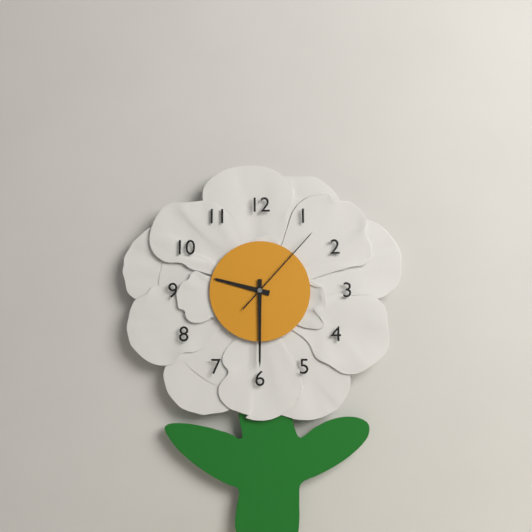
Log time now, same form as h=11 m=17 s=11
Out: h=9 m=30 s=7
